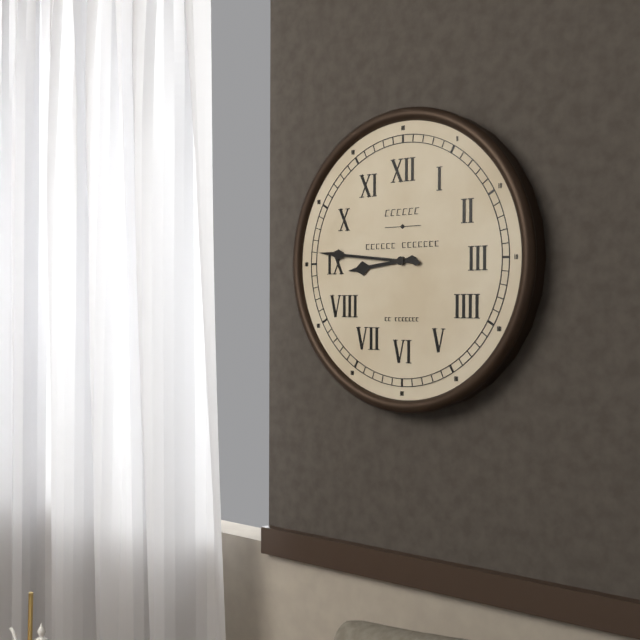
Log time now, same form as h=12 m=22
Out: h=8 m=46
